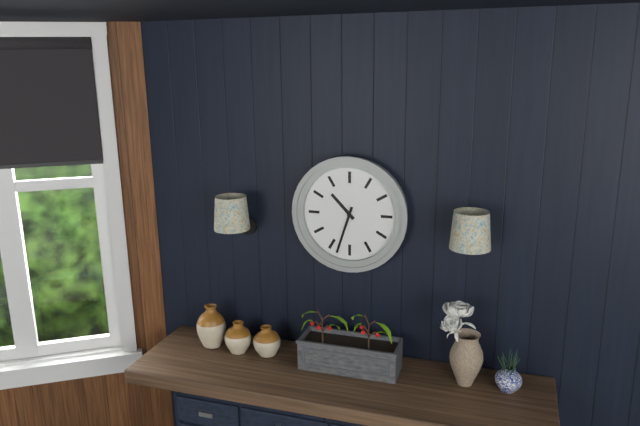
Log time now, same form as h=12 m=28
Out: h=10 m=33
